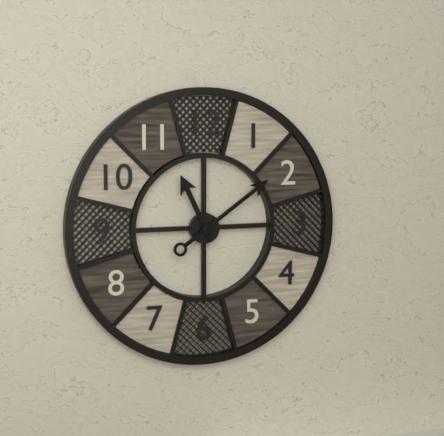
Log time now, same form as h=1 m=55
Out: h=11 m=9
